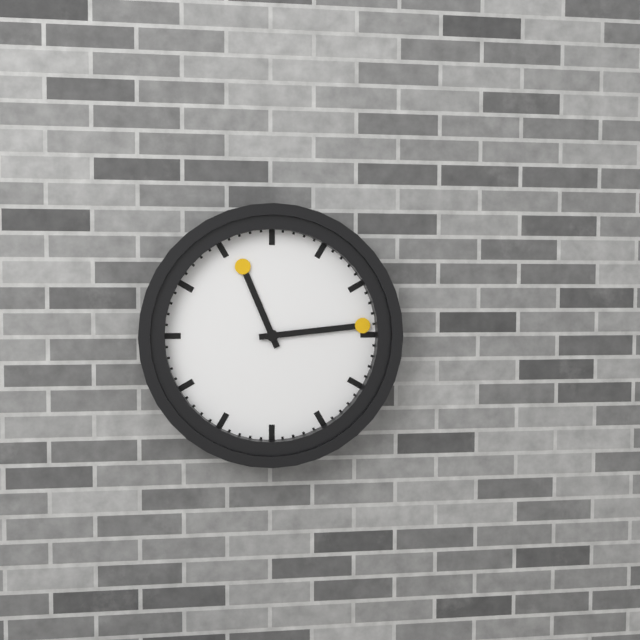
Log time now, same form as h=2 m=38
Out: h=11 m=14
